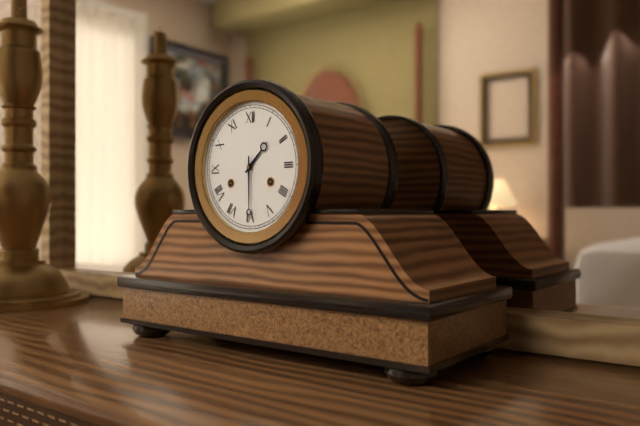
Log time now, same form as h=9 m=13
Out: h=1 m=30
